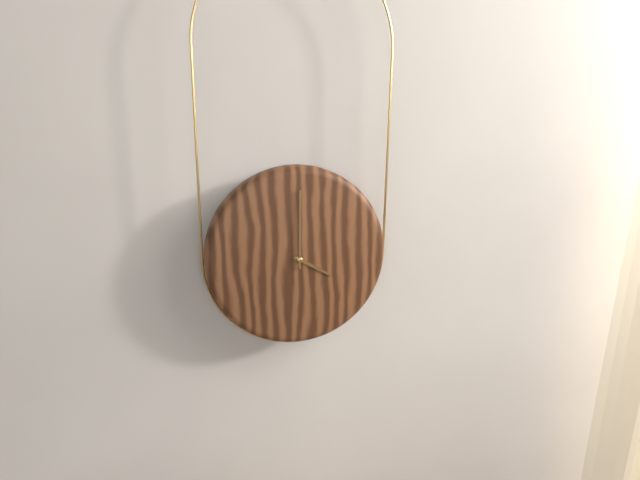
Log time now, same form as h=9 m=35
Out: h=4 m=0
